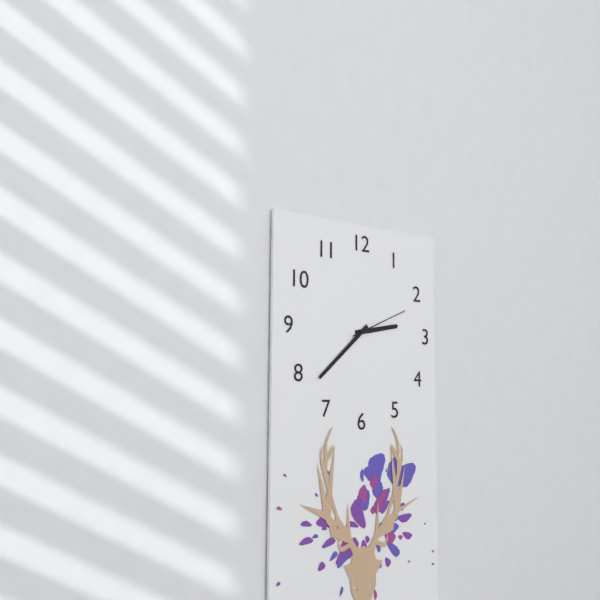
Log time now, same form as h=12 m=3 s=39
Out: h=2 m=38 s=11
